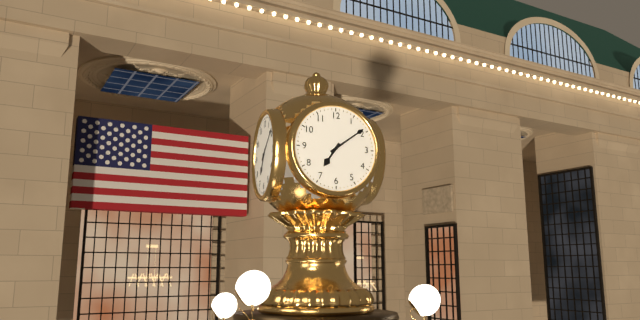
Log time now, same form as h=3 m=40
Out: h=7 m=9
